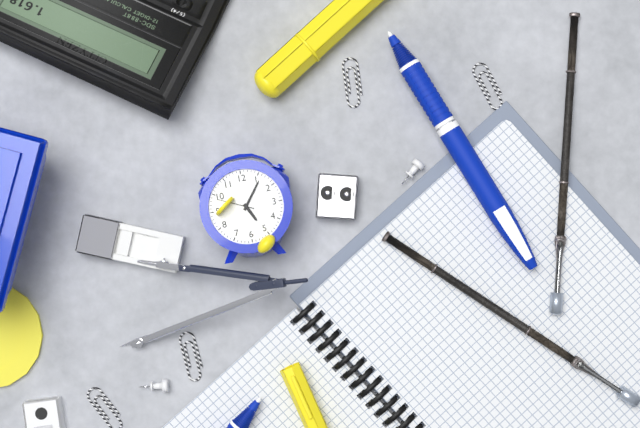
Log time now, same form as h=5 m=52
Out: h=5 m=6
